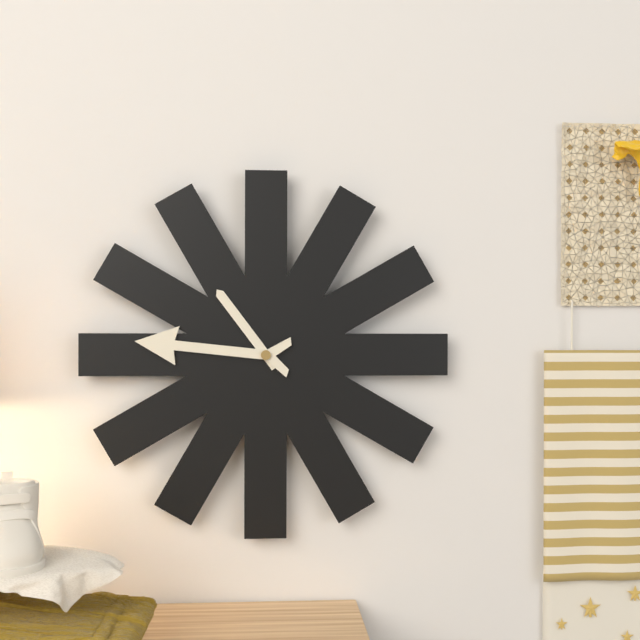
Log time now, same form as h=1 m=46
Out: h=10 m=46
